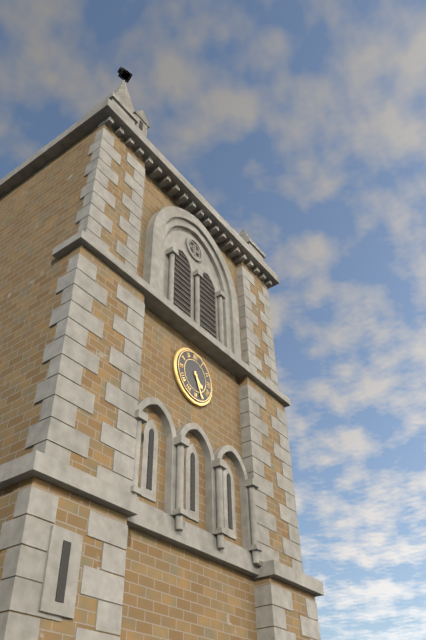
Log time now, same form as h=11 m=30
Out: h=4 m=26
